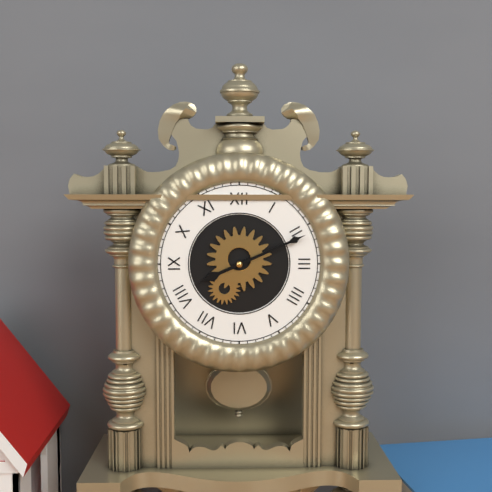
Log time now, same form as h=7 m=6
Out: h=8 m=11
